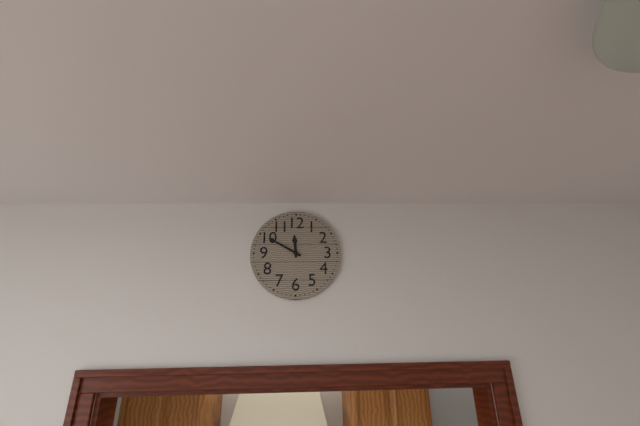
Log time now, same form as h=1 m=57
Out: h=11 m=50
